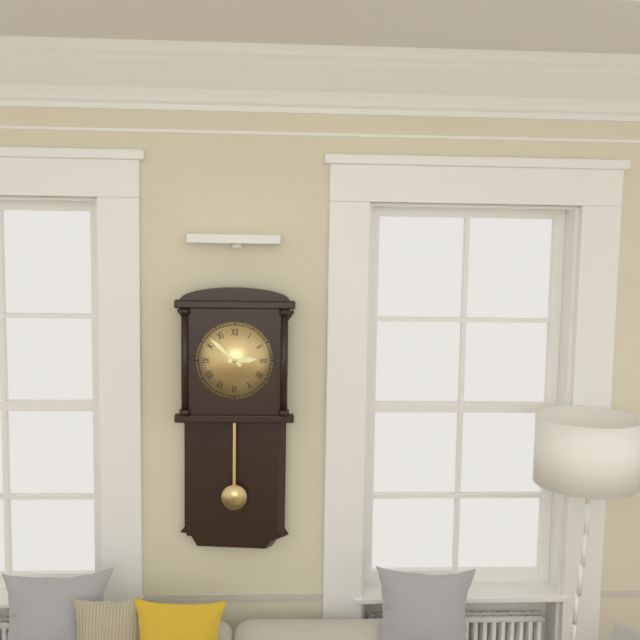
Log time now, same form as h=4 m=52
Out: h=2 m=52
